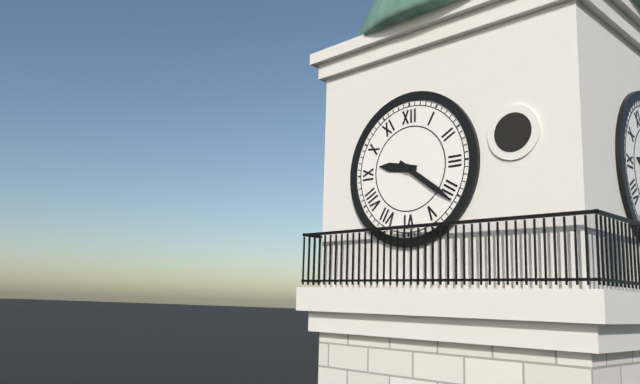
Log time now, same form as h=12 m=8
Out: h=9 m=21
